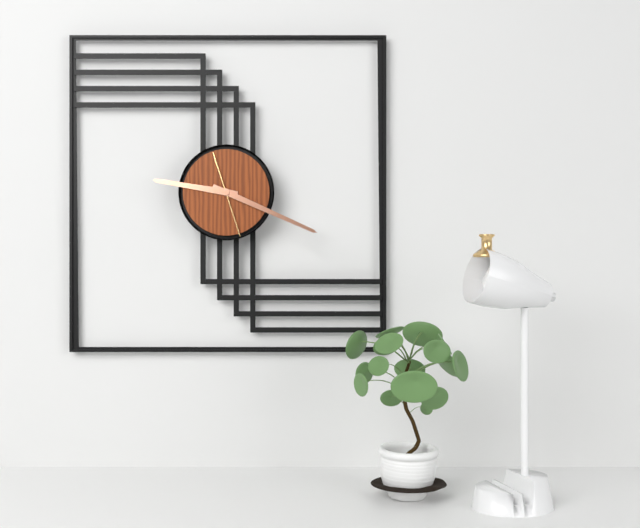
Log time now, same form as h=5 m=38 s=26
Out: h=9 m=19 s=27
